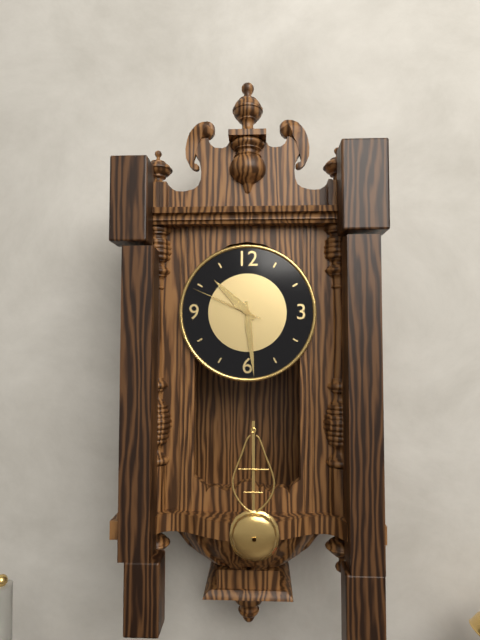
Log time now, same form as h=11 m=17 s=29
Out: h=10 m=29 s=49
